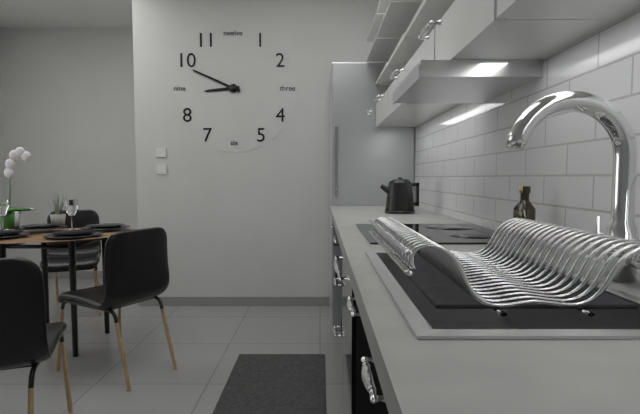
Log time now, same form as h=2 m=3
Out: h=8 m=49
